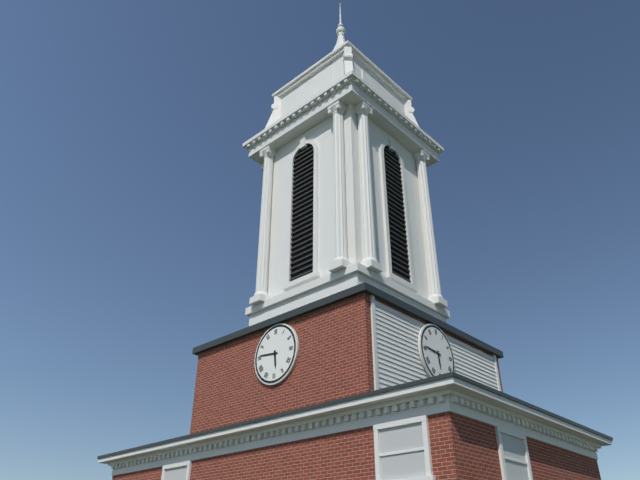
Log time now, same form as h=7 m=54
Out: h=5 m=46
